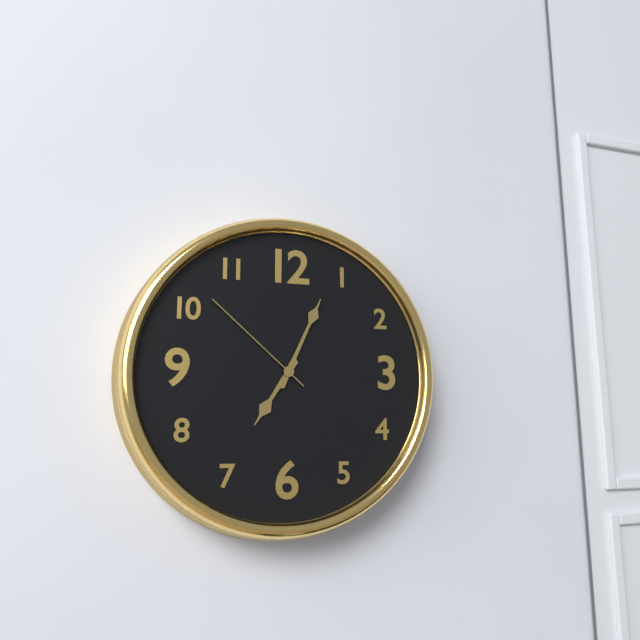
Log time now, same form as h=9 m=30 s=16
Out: h=7 m=4 s=52
